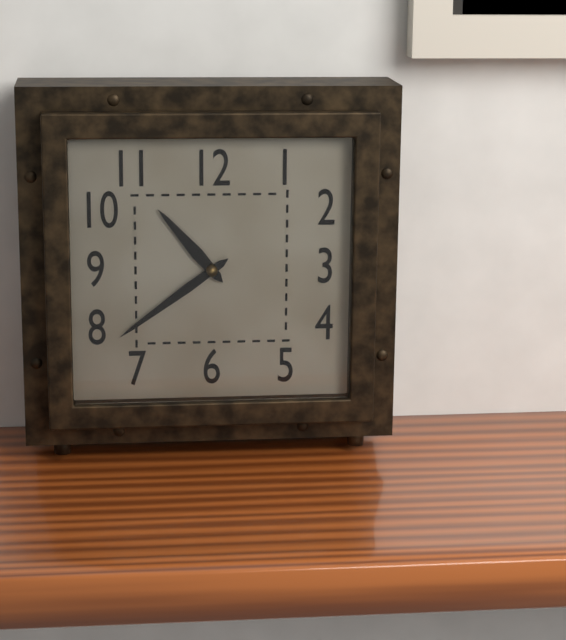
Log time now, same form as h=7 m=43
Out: h=10 m=39
